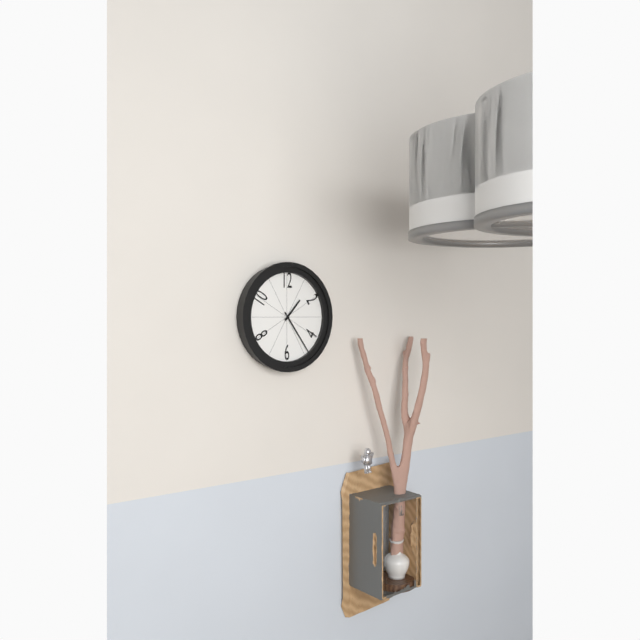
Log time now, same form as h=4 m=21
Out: h=1 m=24
